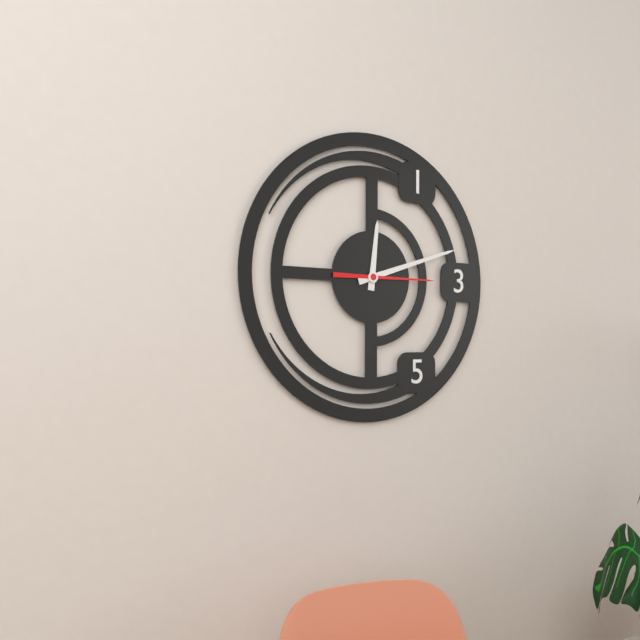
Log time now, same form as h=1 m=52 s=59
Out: h=12 m=12 s=15
